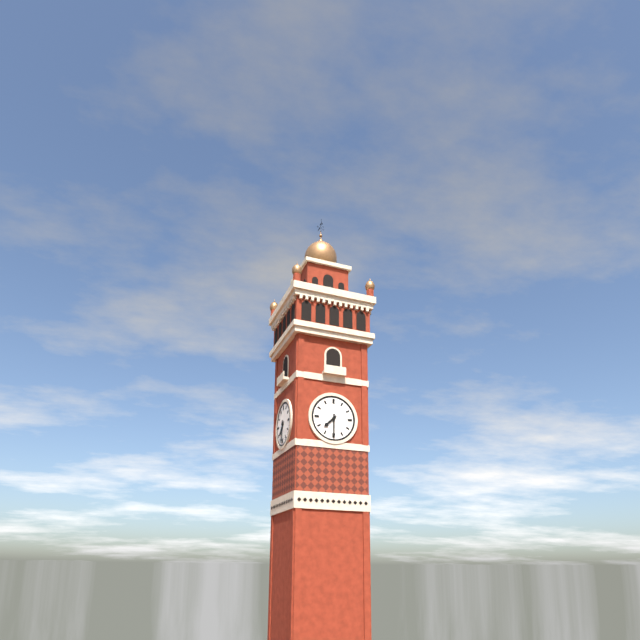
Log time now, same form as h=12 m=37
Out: h=7 m=30
